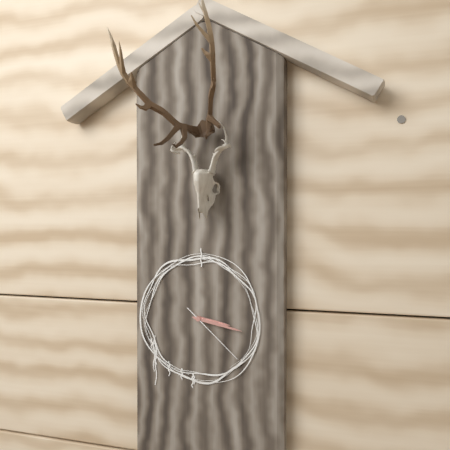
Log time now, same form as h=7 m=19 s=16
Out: h=3 m=17 s=22
